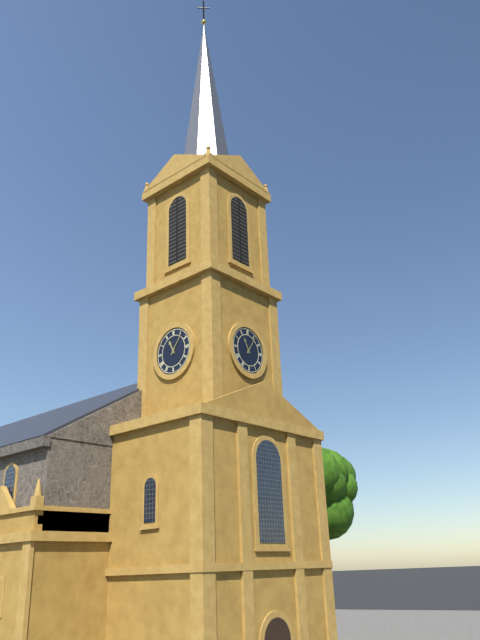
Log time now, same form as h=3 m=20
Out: h=11 m=6
